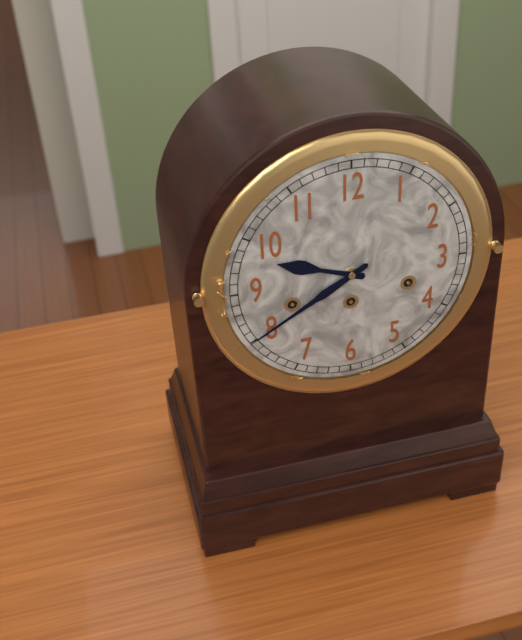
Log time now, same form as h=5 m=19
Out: h=9 m=40
